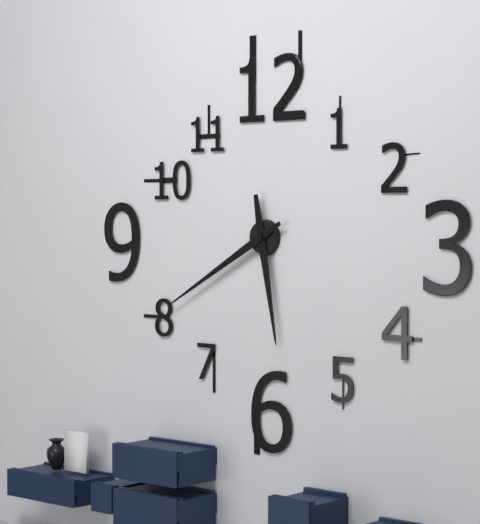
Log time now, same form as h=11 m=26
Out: h=5 m=40
